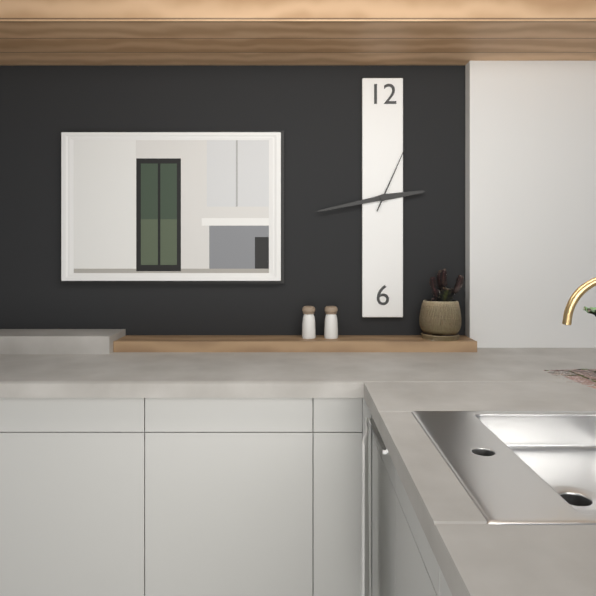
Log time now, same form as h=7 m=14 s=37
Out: h=2 m=43 s=4
